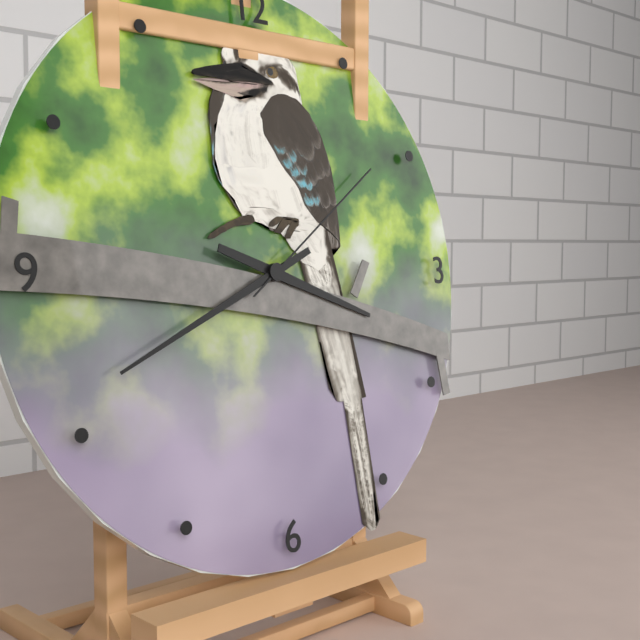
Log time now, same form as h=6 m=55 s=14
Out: h=3 m=41 s=9
